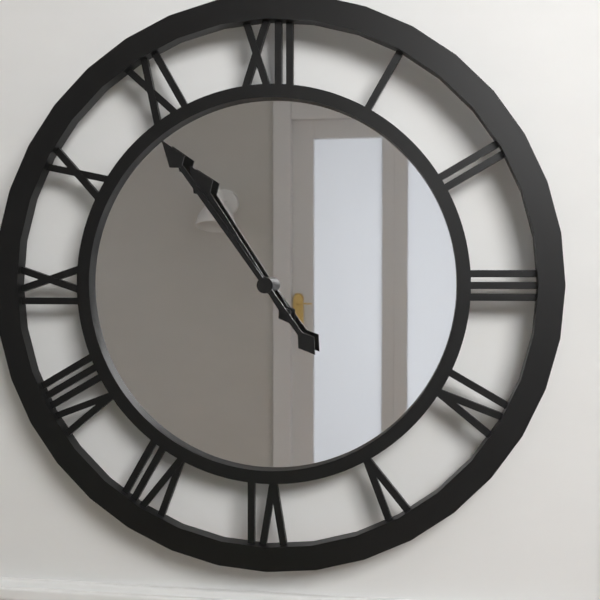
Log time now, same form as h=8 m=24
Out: h=10 m=54
